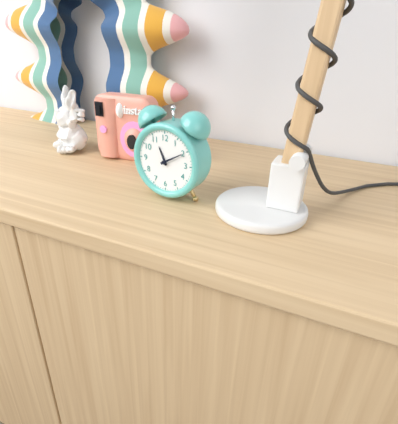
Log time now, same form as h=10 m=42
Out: h=11 m=10
